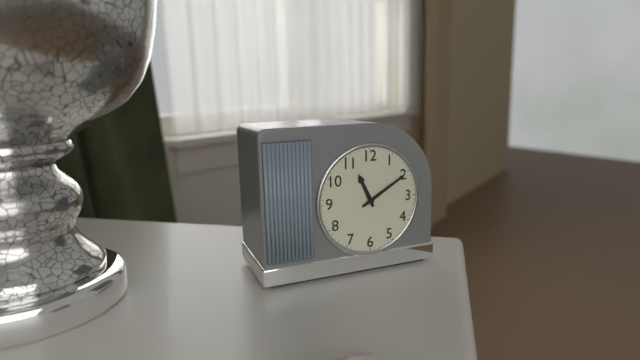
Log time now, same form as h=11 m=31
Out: h=11 m=10
